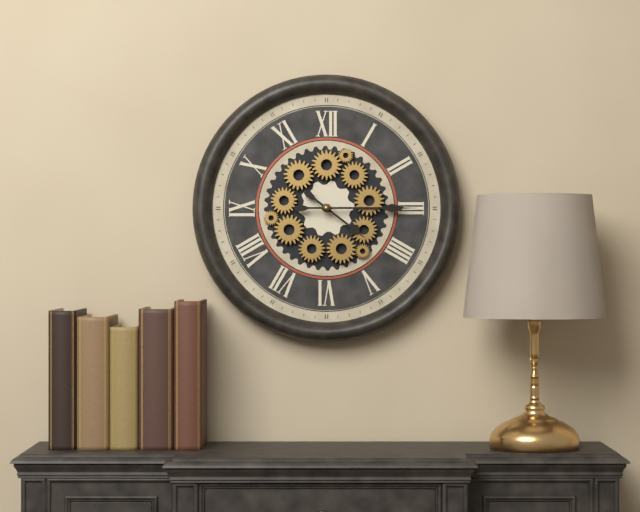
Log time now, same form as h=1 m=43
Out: h=4 m=15
